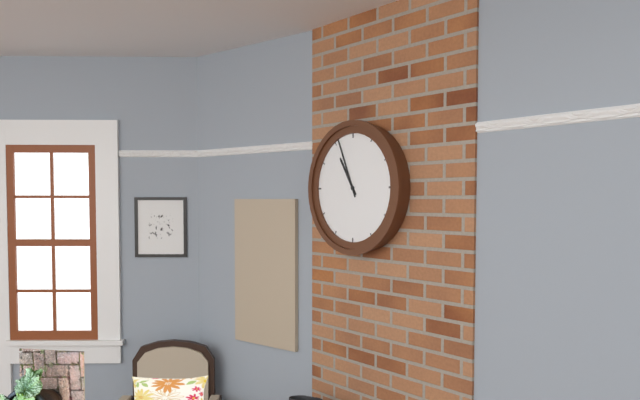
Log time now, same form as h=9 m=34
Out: h=10 m=56
